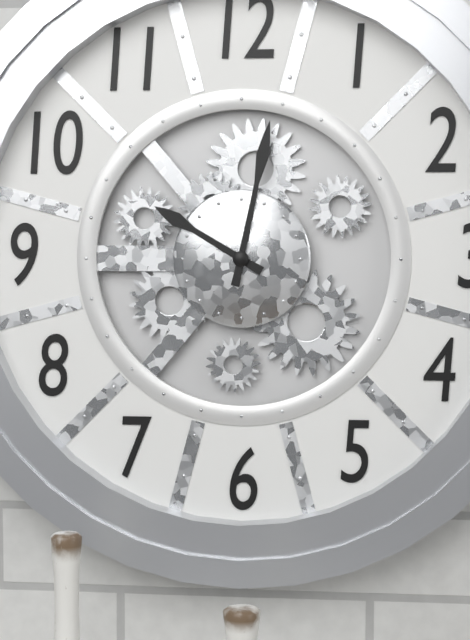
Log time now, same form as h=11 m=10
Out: h=10 m=2
